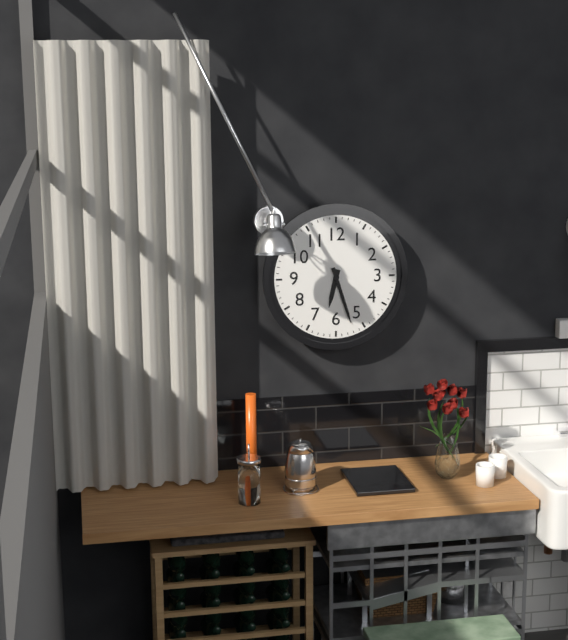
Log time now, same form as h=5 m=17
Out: h=6 m=27
